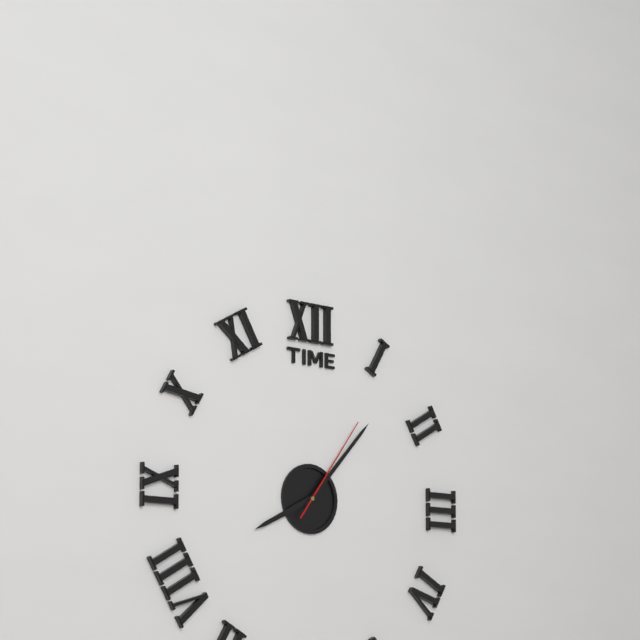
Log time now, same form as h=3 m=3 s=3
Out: h=8 m=7 s=6
